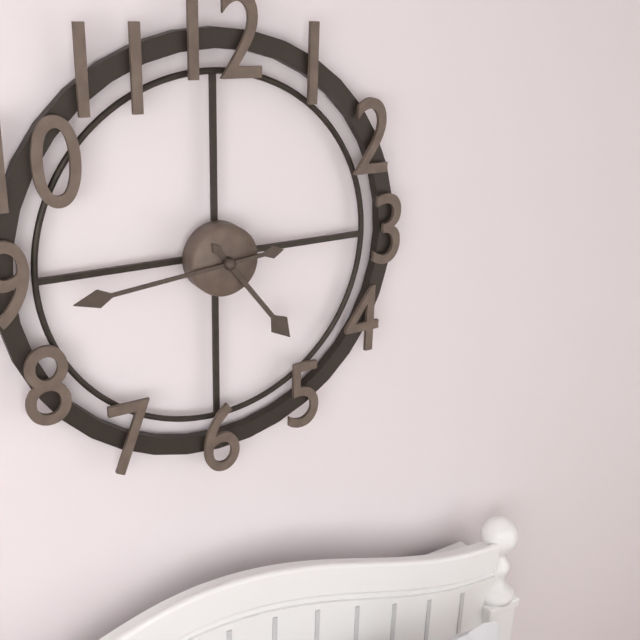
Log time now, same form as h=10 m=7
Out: h=4 m=44
